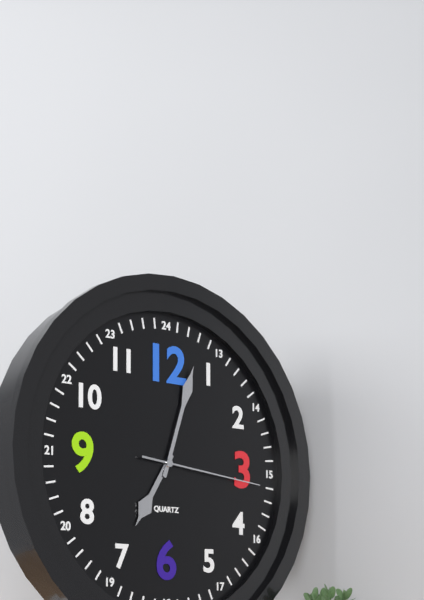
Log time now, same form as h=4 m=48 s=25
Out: h=7 m=3 s=16
